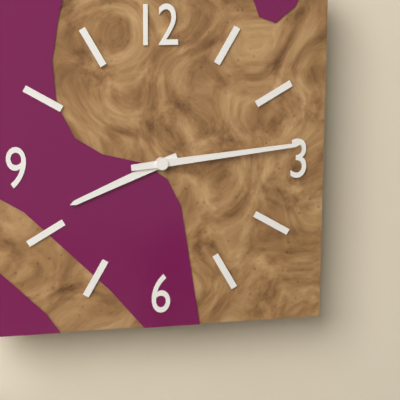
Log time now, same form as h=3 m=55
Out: h=8 m=14
